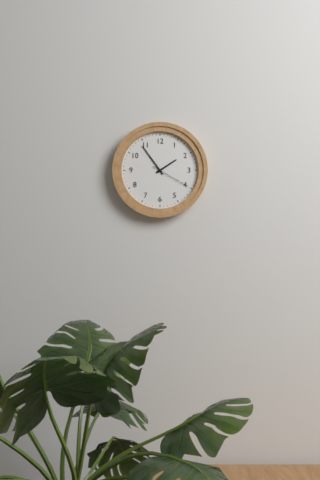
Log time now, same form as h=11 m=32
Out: h=1 m=54
